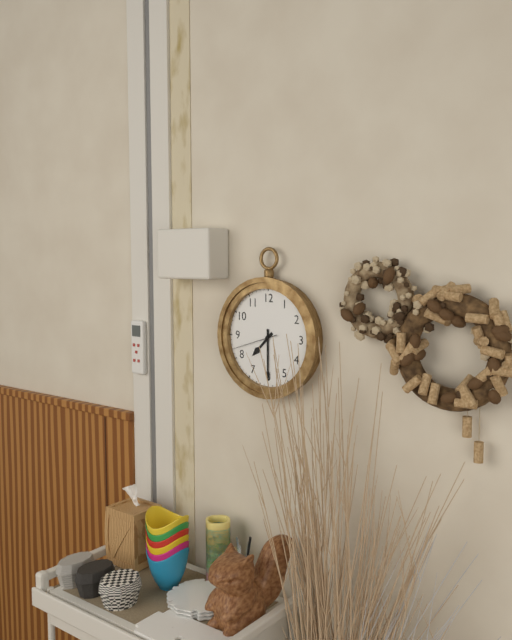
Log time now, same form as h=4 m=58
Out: h=7 m=30
